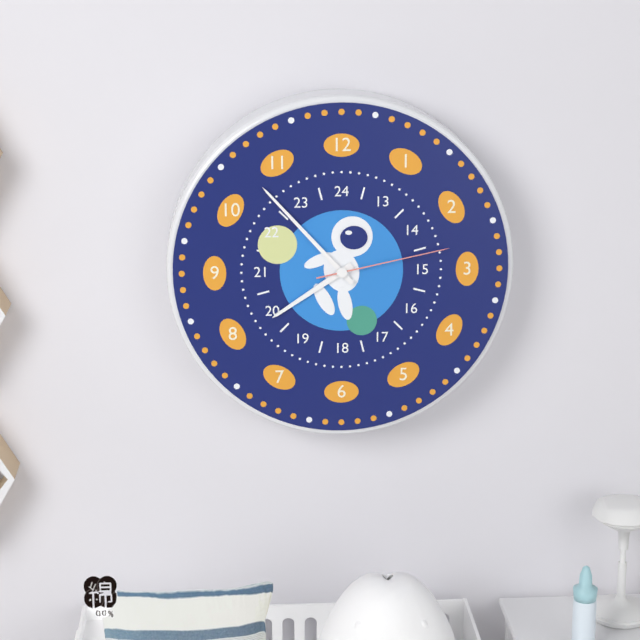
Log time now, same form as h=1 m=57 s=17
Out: h=7 m=53 s=13
